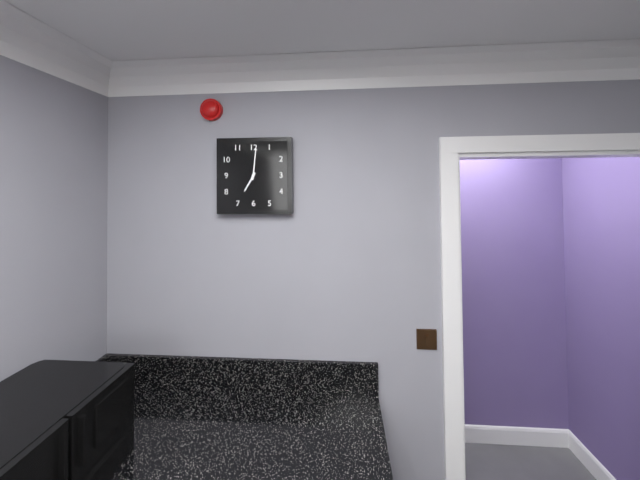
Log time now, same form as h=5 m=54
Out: h=7 m=1
